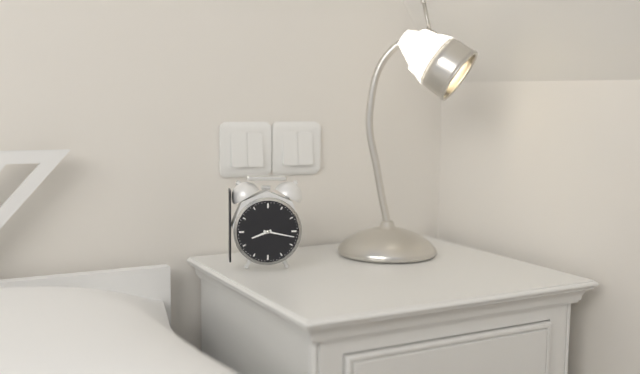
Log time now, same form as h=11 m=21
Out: h=8 m=17
